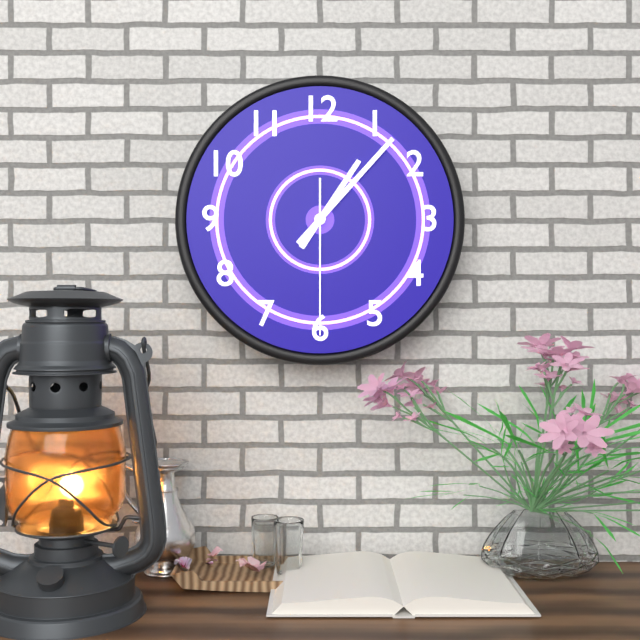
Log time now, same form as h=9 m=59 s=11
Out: h=1 m=7 s=30
